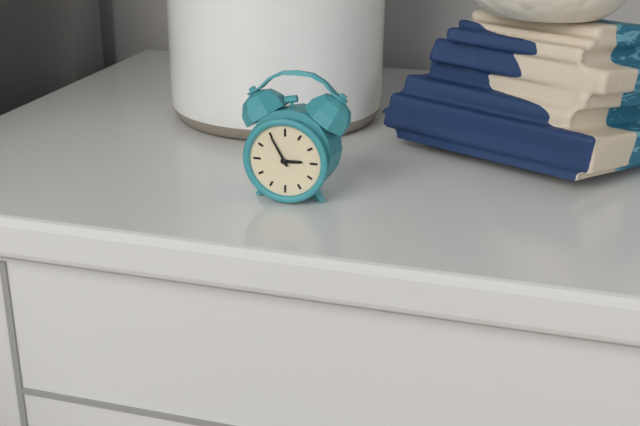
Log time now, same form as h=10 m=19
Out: h=2 m=55
